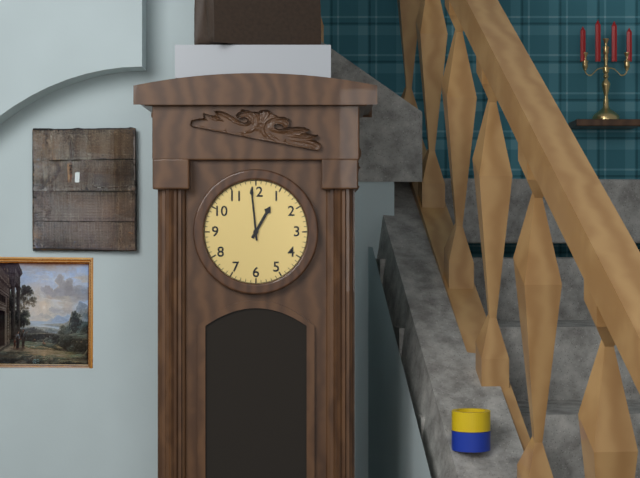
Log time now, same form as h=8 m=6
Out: h=12 m=59
